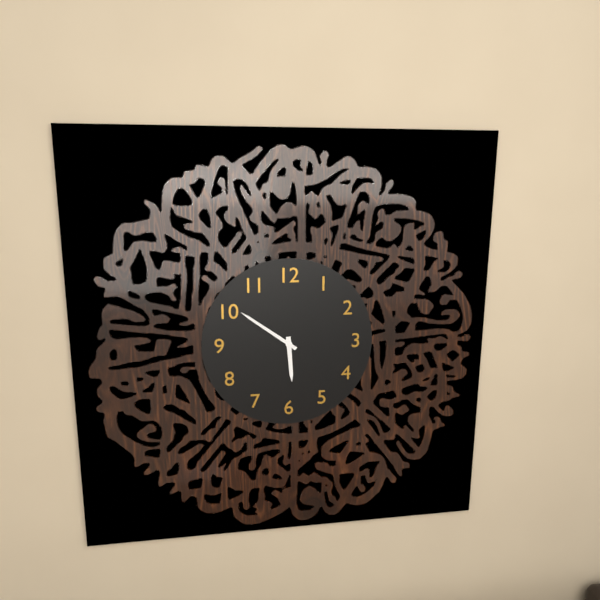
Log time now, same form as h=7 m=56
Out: h=5 m=51
